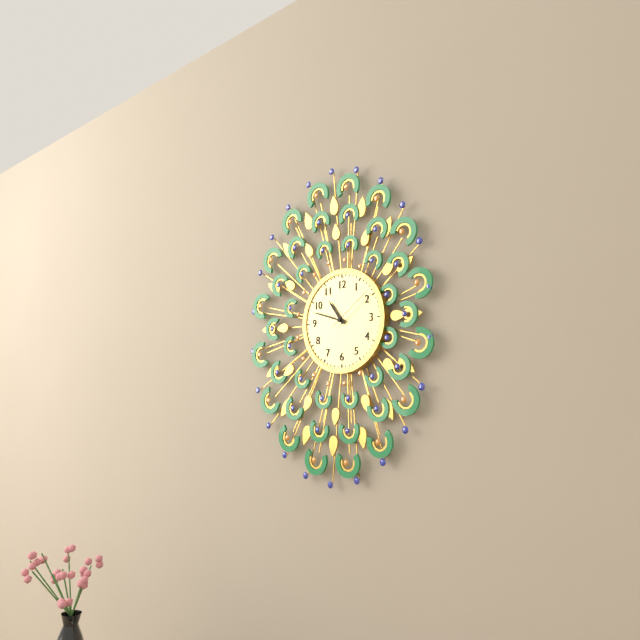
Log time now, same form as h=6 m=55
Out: h=10 m=48
